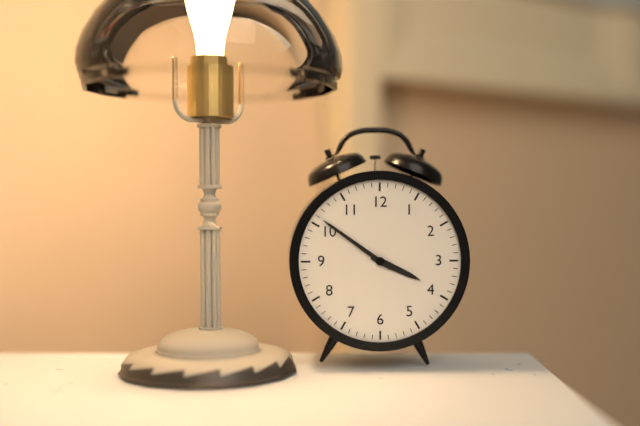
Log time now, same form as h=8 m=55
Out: h=3 m=51
